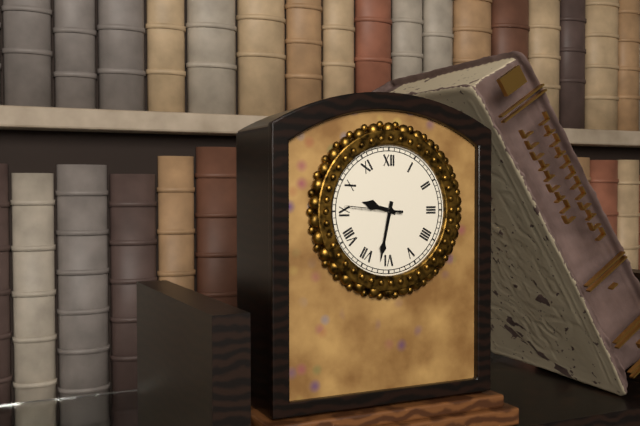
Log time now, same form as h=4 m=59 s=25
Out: h=9 m=32 s=46
